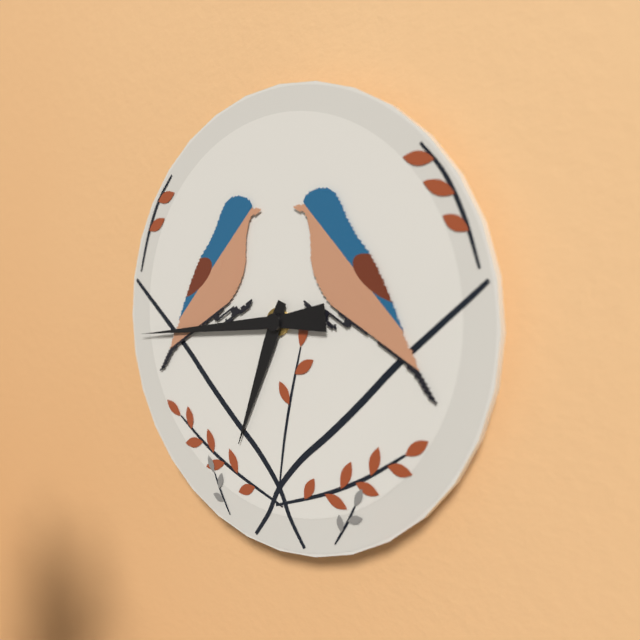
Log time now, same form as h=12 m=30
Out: h=6 m=44
